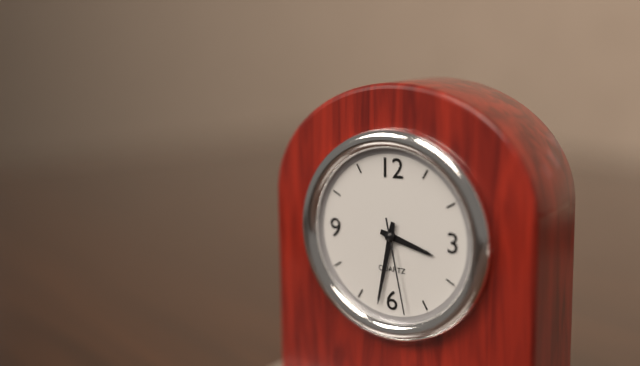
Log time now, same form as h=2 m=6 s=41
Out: h=3 m=32 s=28
